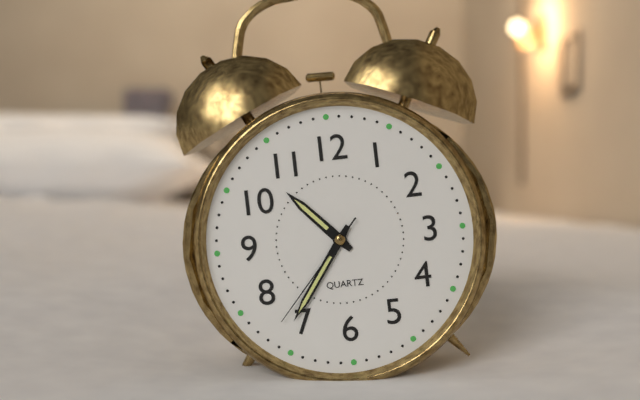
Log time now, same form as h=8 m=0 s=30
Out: h=10 m=36 s=37
